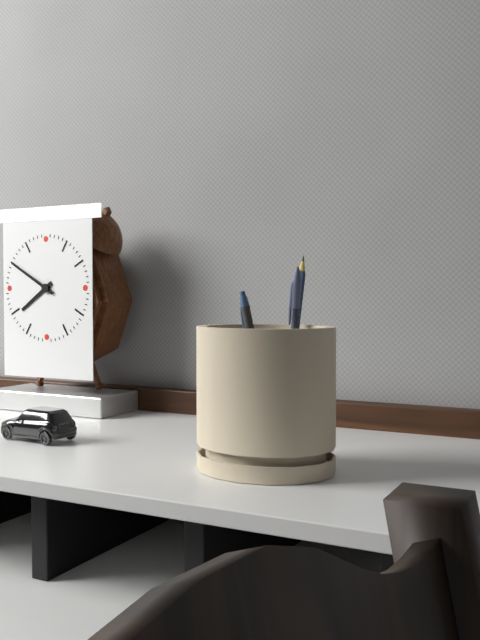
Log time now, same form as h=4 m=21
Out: h=7 m=50
